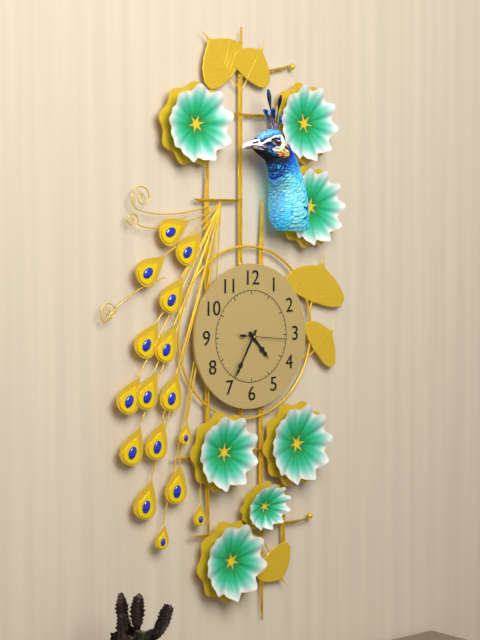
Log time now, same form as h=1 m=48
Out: h=4 m=35
